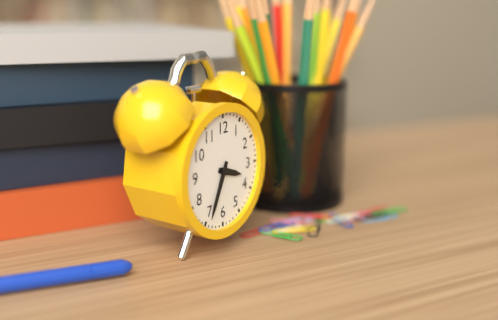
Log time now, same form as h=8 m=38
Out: h=3 m=34
